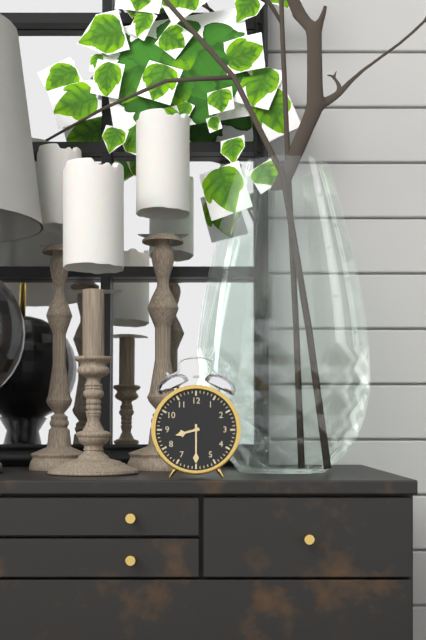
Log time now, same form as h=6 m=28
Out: h=8 m=30
